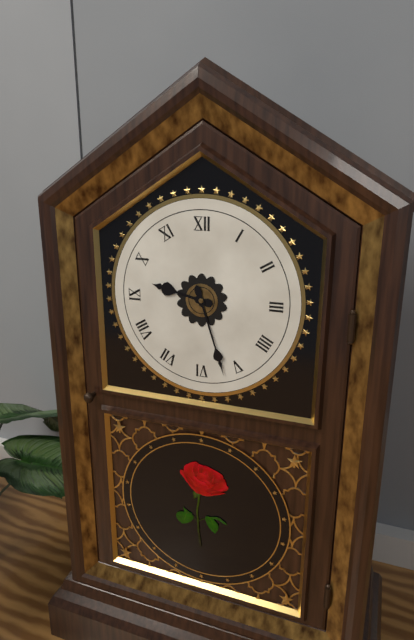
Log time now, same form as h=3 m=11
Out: h=9 m=27
